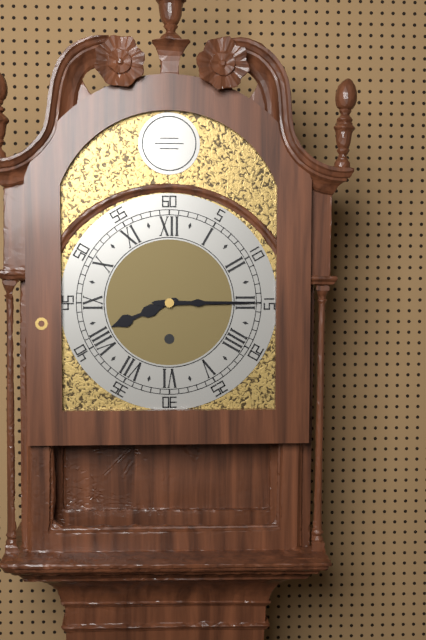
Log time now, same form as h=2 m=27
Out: h=8 m=15
